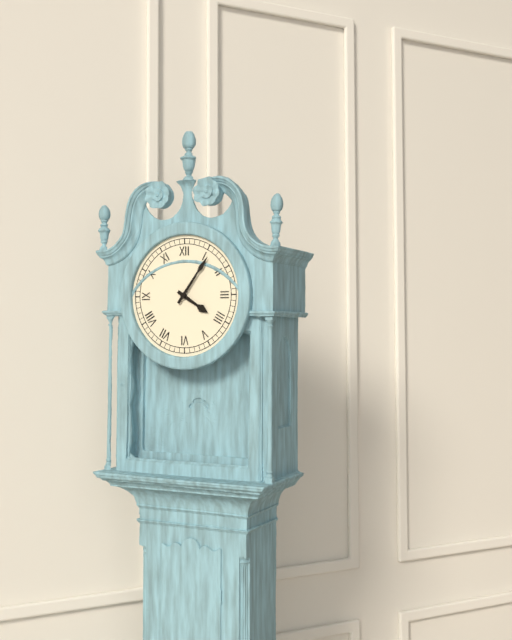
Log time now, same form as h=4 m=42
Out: h=4 m=6
